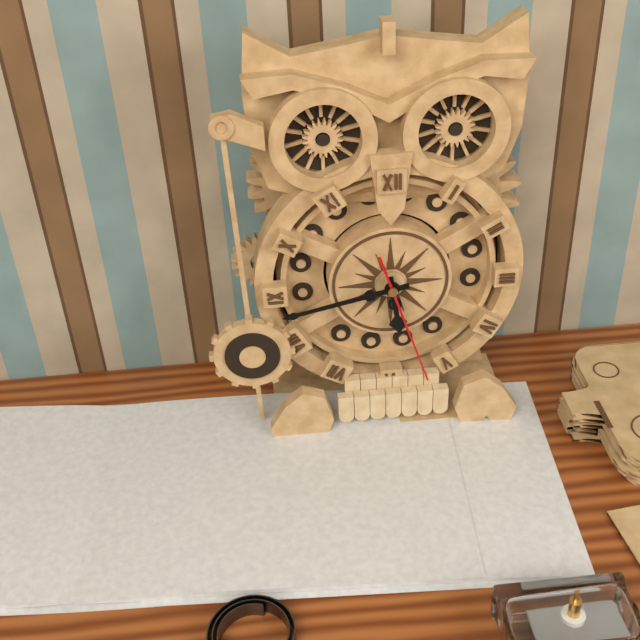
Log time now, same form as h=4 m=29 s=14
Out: h=5 m=43 s=27
